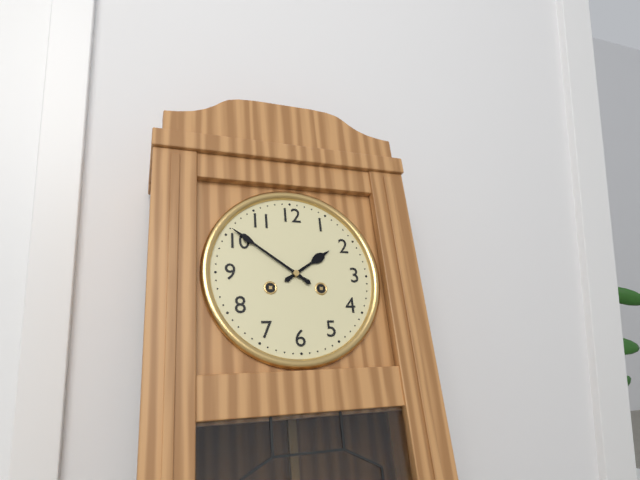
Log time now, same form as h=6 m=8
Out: h=1 m=51
